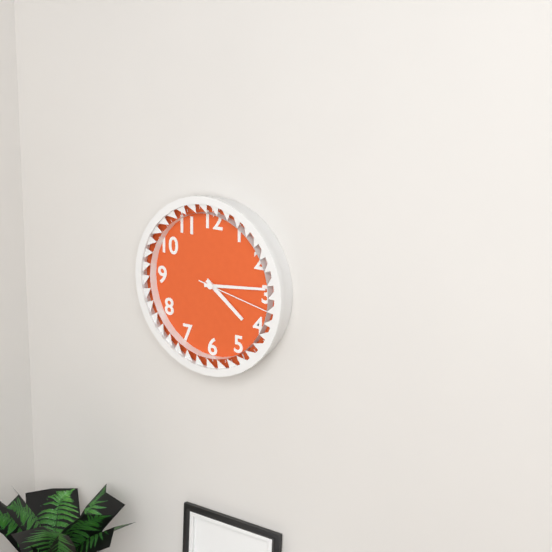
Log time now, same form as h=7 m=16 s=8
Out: h=4 m=14 s=17
